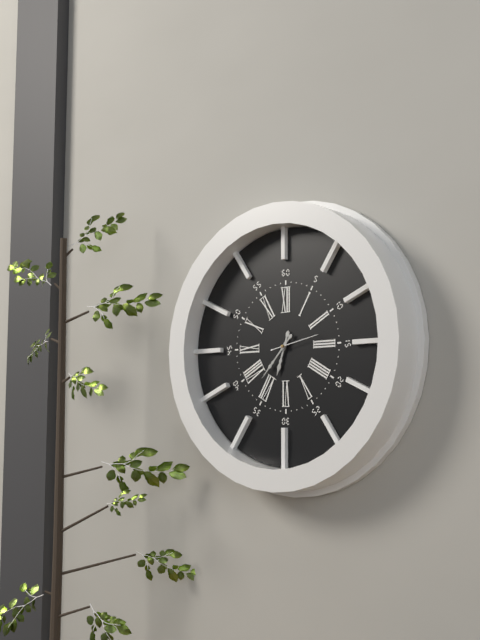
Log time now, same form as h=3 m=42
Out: h=6 m=37
